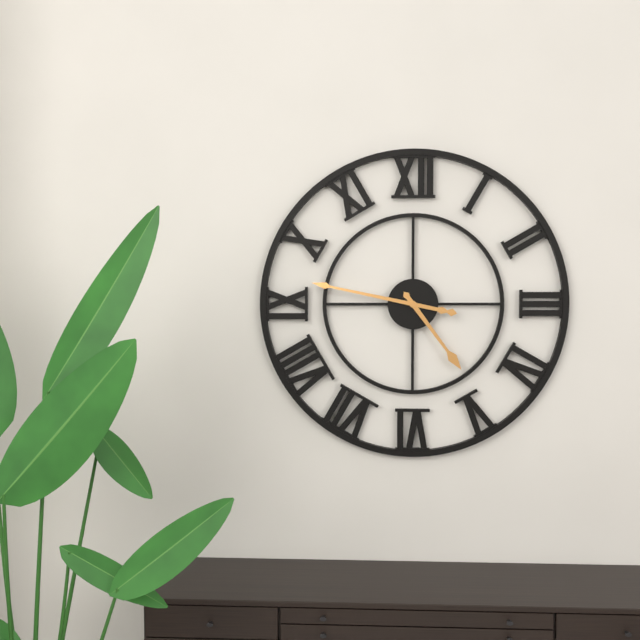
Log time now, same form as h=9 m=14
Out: h=4 m=47
